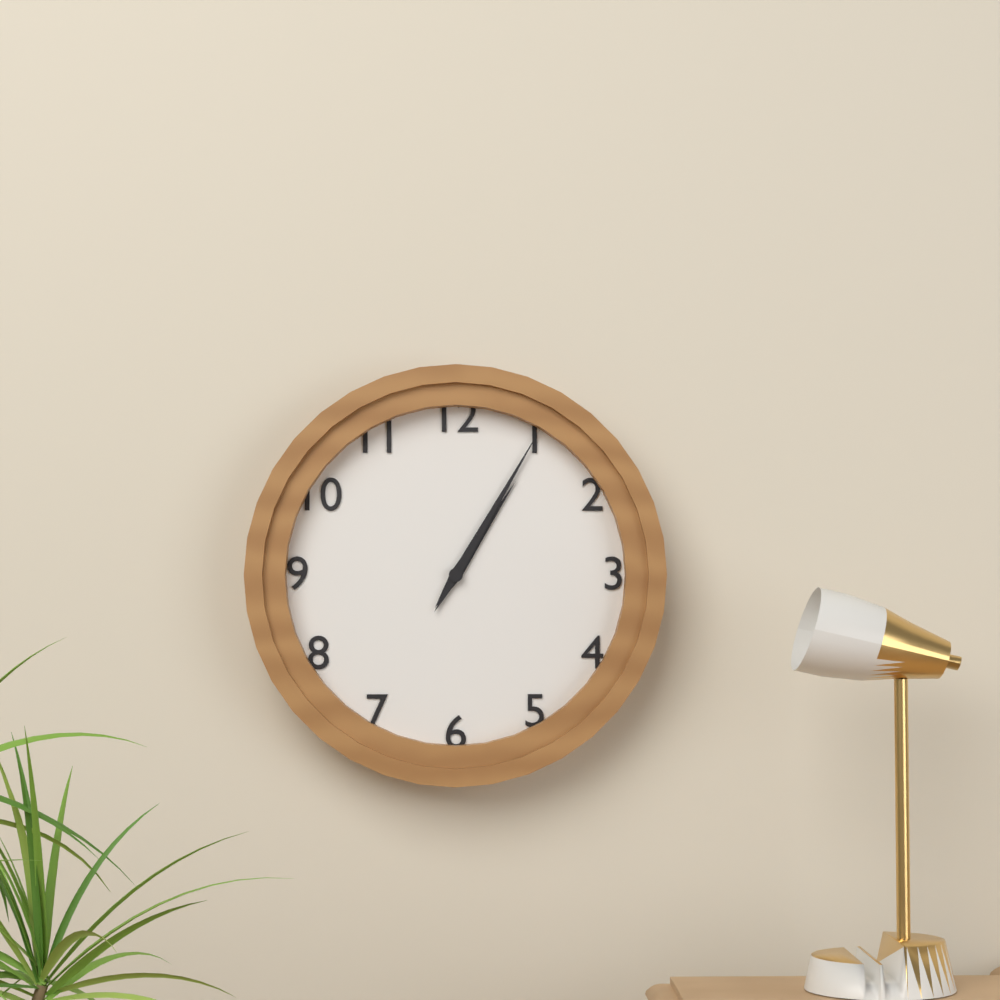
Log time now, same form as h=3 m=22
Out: h=1 m=5
